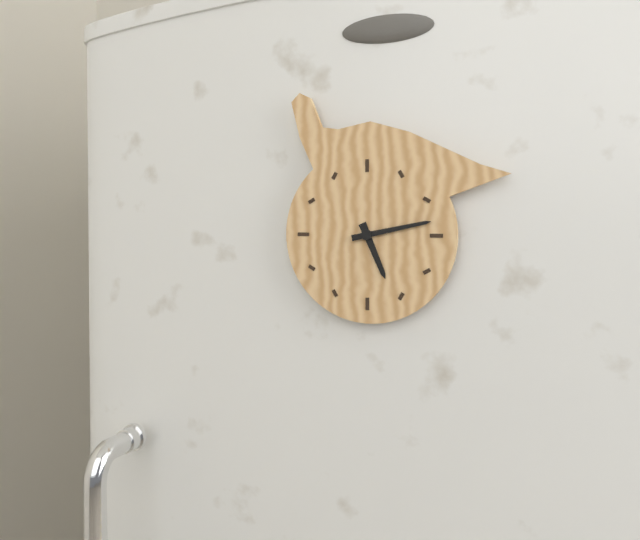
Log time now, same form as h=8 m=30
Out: h=5 m=13
